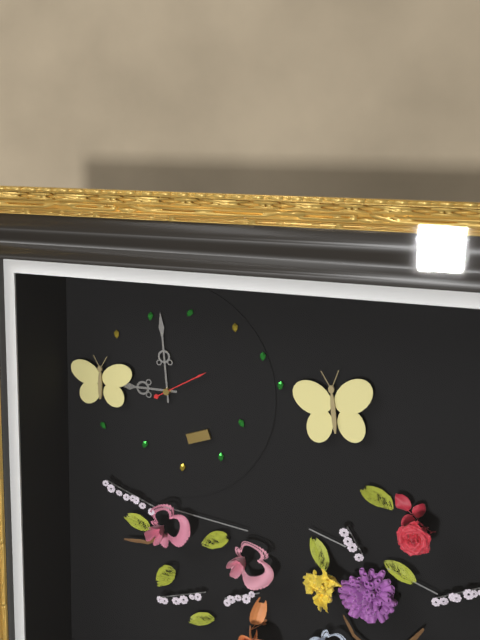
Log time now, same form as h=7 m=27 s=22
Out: h=8 m=59 s=10
